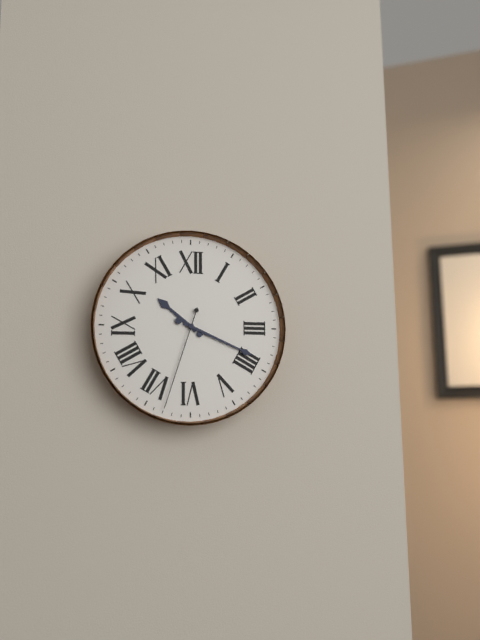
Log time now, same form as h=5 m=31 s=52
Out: h=10 m=19 s=33
